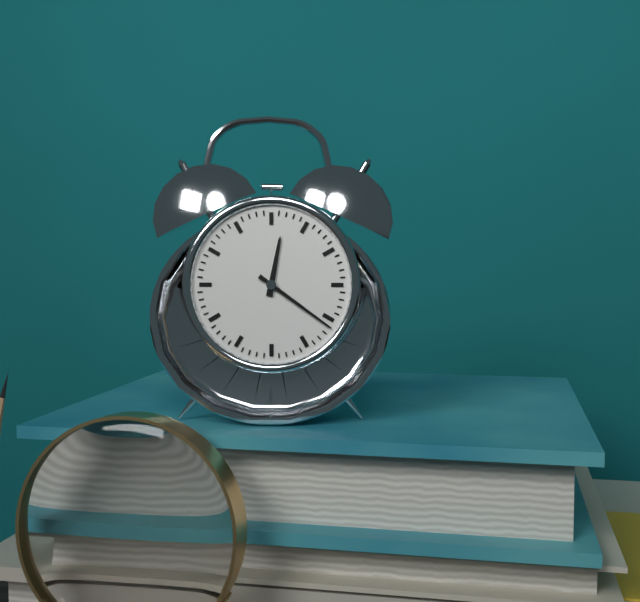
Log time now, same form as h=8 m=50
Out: h=12 m=21
